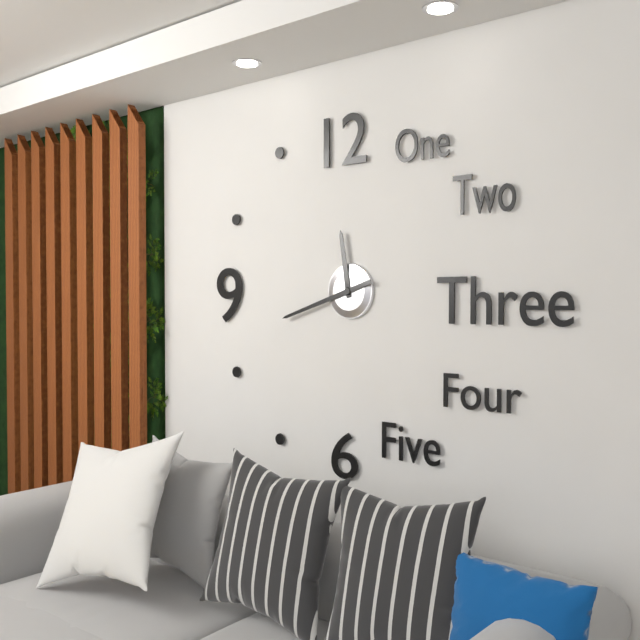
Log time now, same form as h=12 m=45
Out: h=11 m=42
